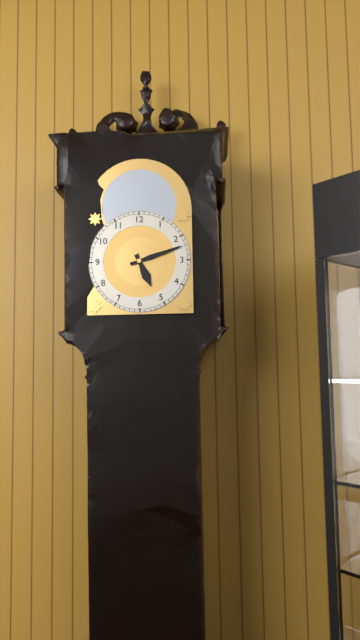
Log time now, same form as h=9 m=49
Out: h=5 m=12
